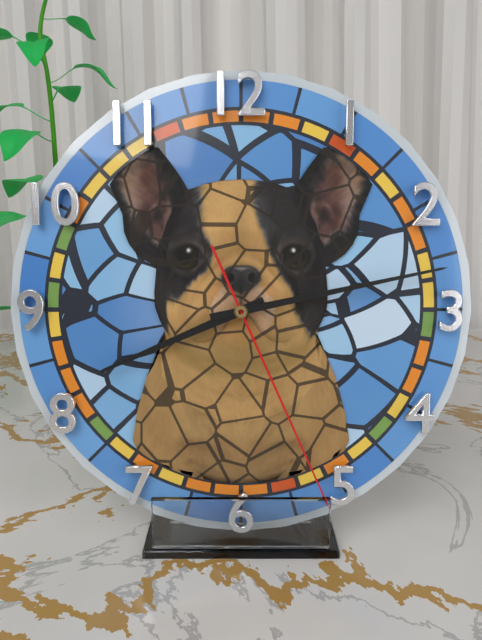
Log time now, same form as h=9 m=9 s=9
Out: h=8 m=13 s=26
